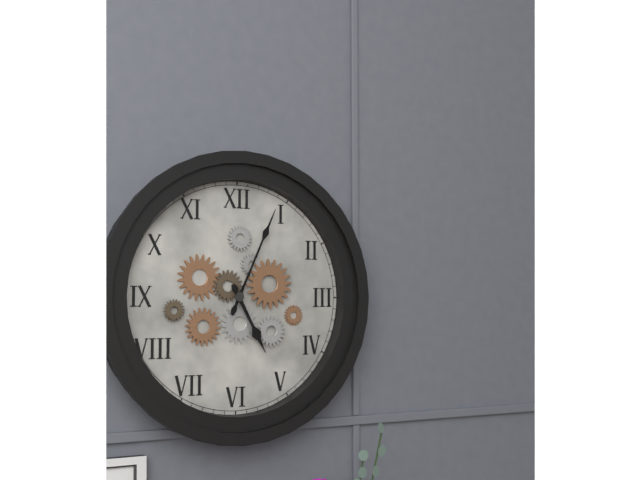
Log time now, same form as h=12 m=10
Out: h=5 m=4
